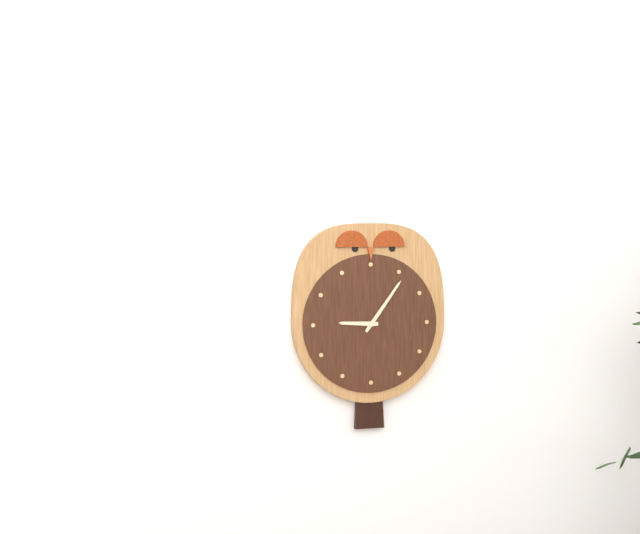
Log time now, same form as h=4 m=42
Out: h=9 m=6
